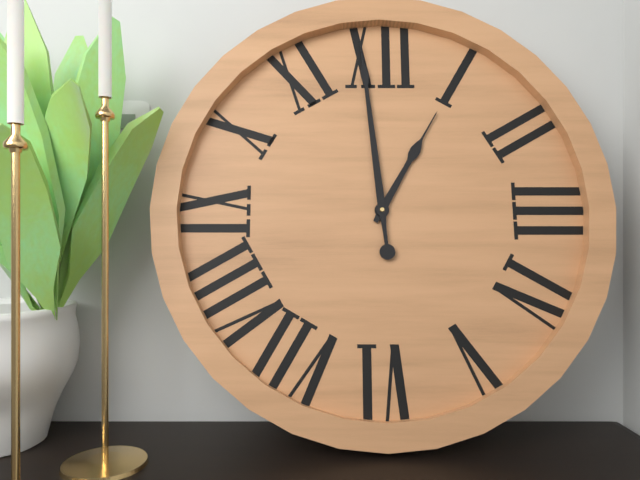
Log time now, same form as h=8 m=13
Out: h=12 m=59
